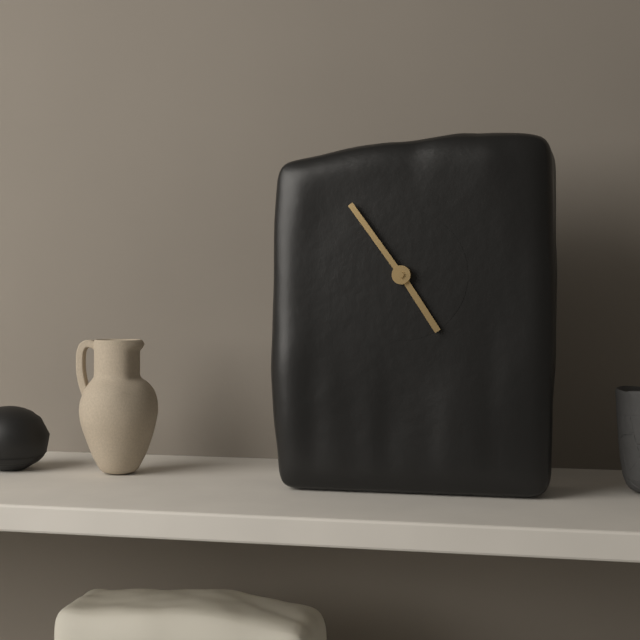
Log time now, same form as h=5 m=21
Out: h=4 m=54
